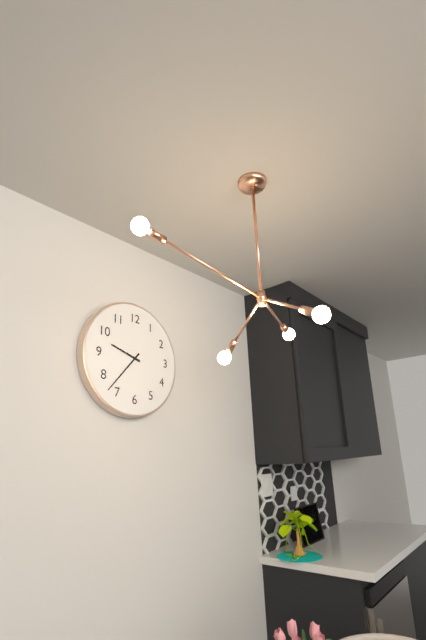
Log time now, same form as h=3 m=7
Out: h=9 m=37
